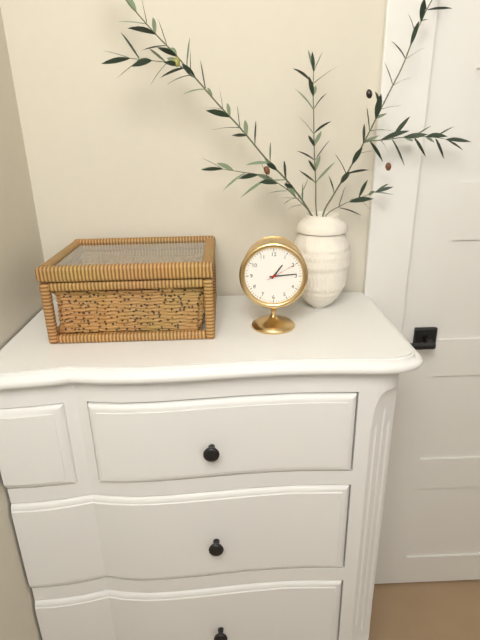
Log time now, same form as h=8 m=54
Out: h=1 m=14
